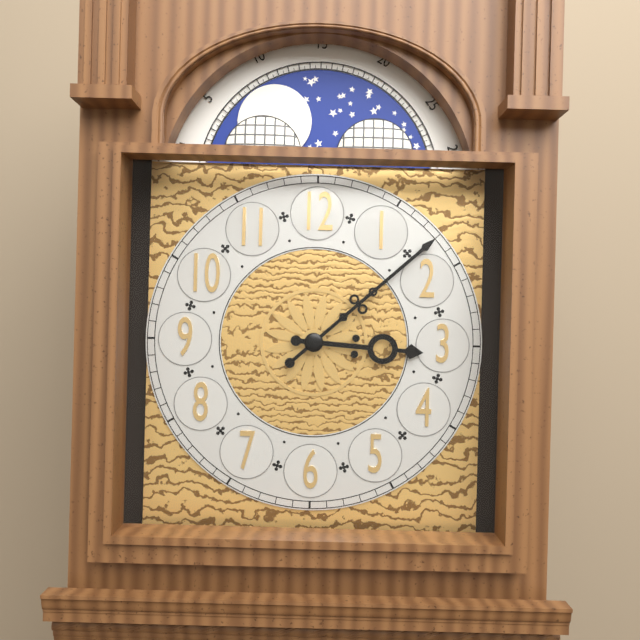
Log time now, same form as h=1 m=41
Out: h=3 m=8
